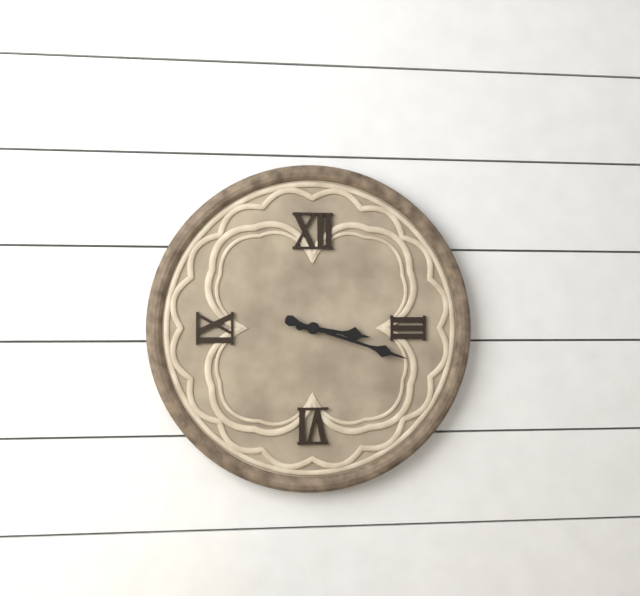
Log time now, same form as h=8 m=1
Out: h=3 m=18
